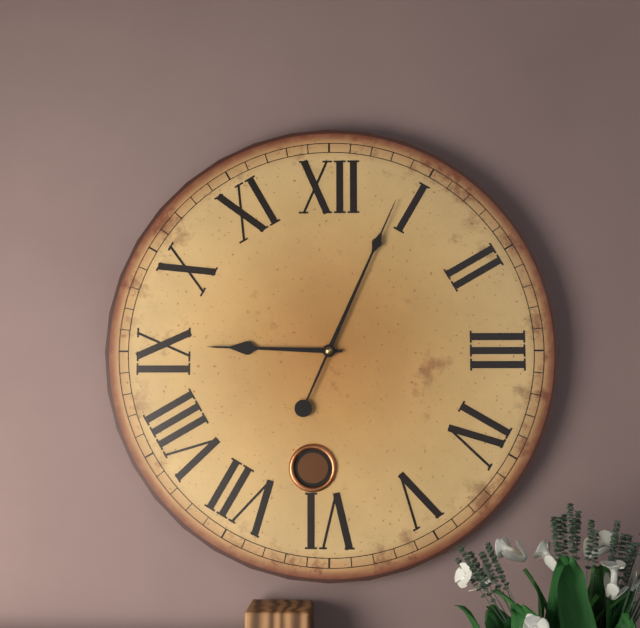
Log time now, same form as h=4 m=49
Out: h=9 m=4
